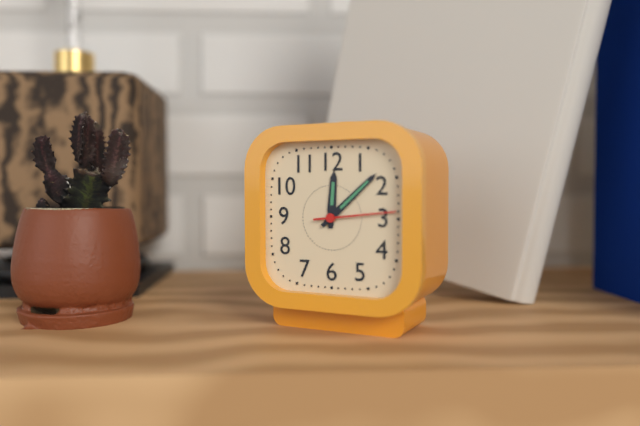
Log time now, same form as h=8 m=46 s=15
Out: h=12 m=8 s=14
